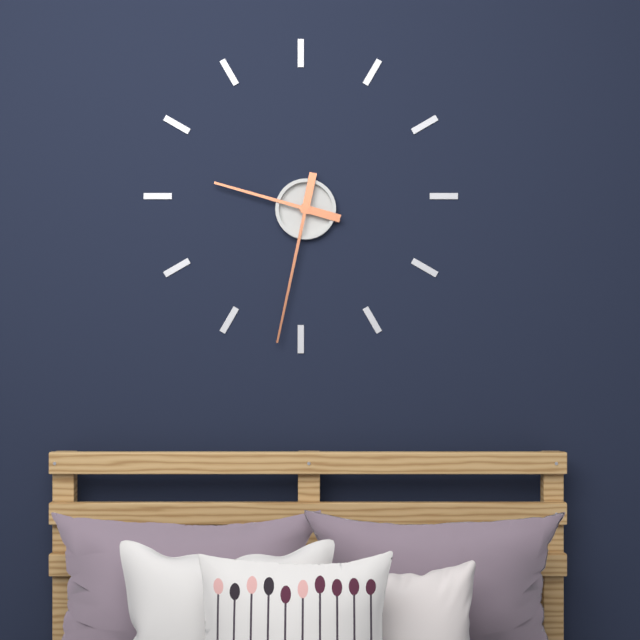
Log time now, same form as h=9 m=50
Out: h=9 m=32
